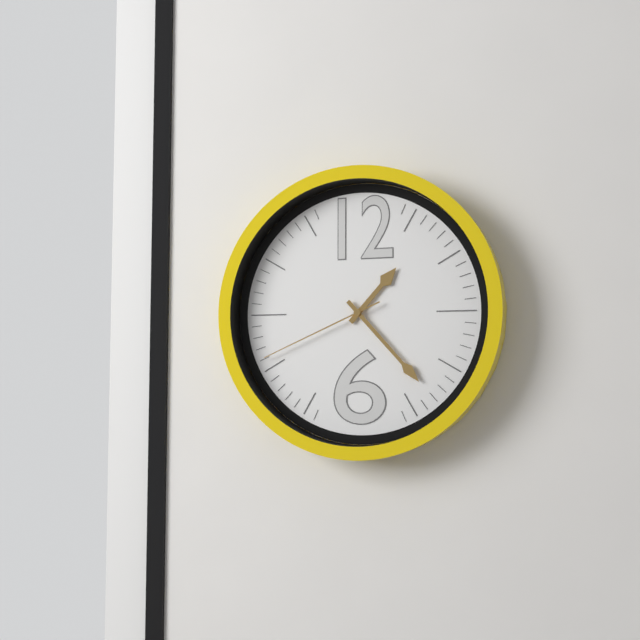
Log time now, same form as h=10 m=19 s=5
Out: h=1 m=23 s=41
